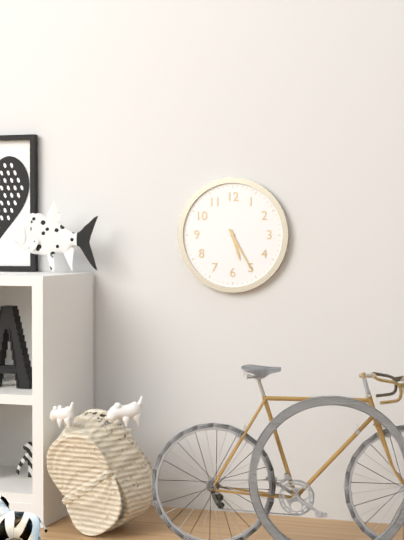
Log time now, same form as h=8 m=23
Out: h=5 m=25
